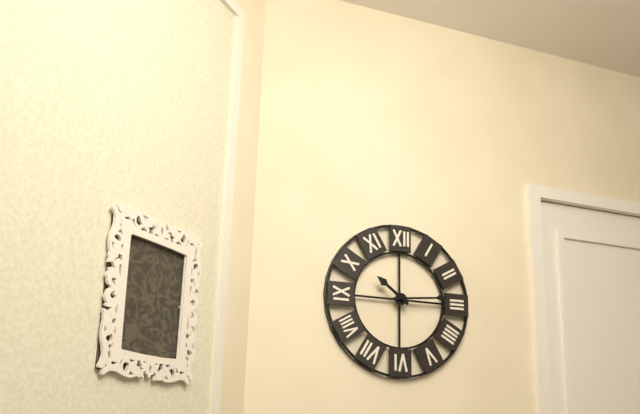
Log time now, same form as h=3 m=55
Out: h=10 m=14
